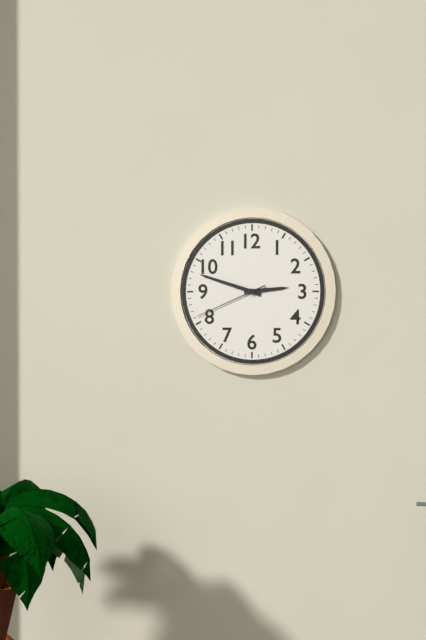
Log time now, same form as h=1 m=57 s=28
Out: h=2 m=48 s=41
